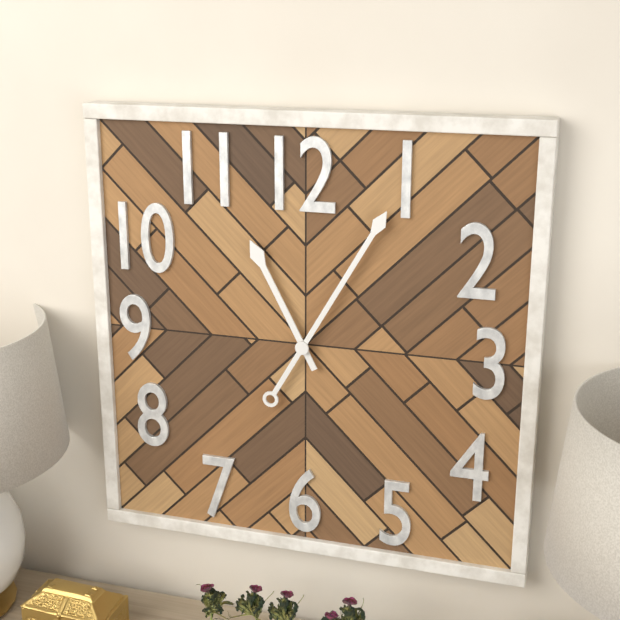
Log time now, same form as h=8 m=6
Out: h=11 m=5
